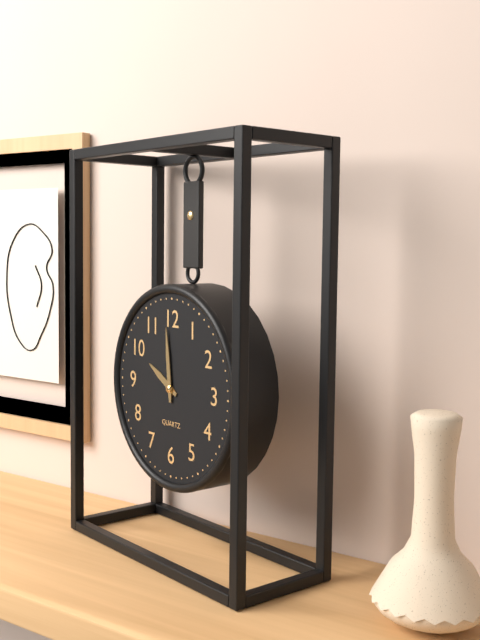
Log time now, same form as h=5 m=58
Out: h=9 m=59
